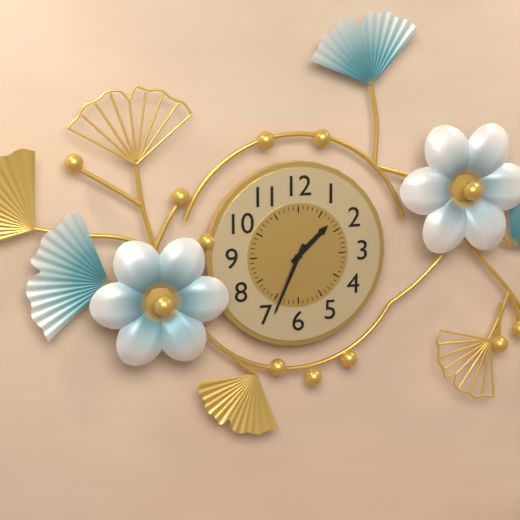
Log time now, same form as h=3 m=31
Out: h=1 m=34
